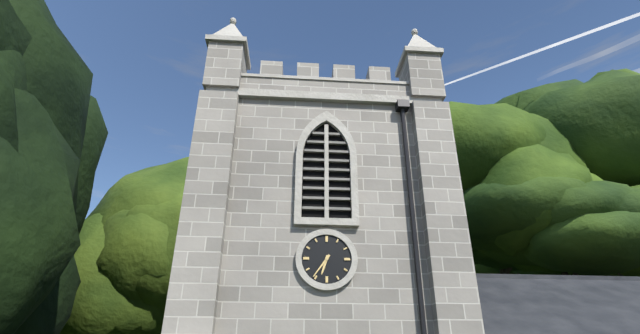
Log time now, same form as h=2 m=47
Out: h=6 m=36
